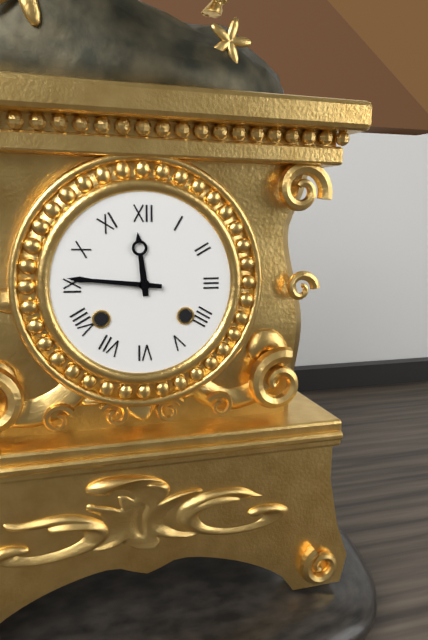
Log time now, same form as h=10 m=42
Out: h=11 m=46
